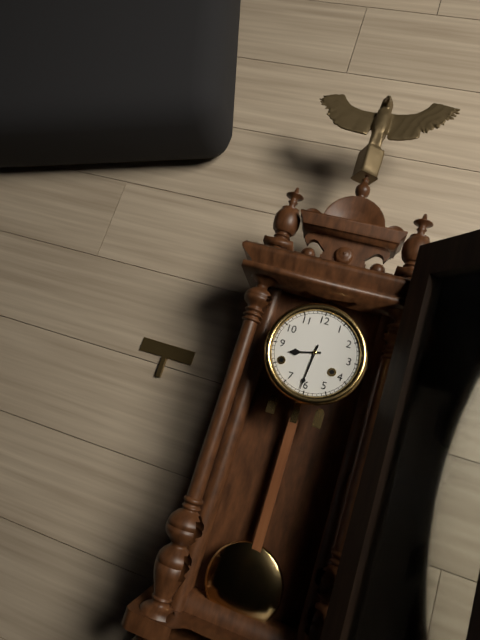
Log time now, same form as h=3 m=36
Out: h=8 m=31
